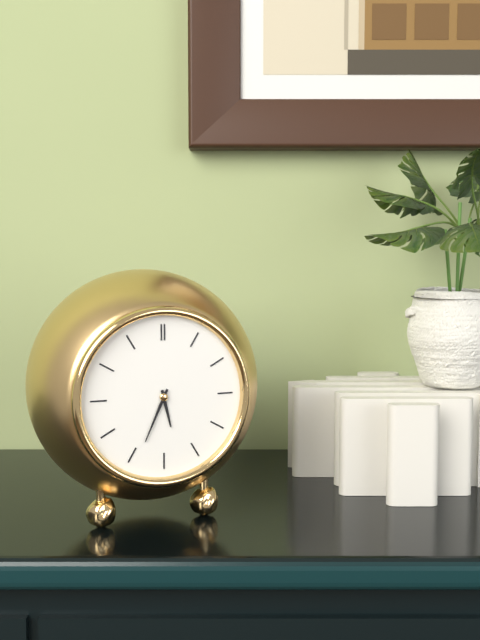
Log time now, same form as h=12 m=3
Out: h=5 m=34
